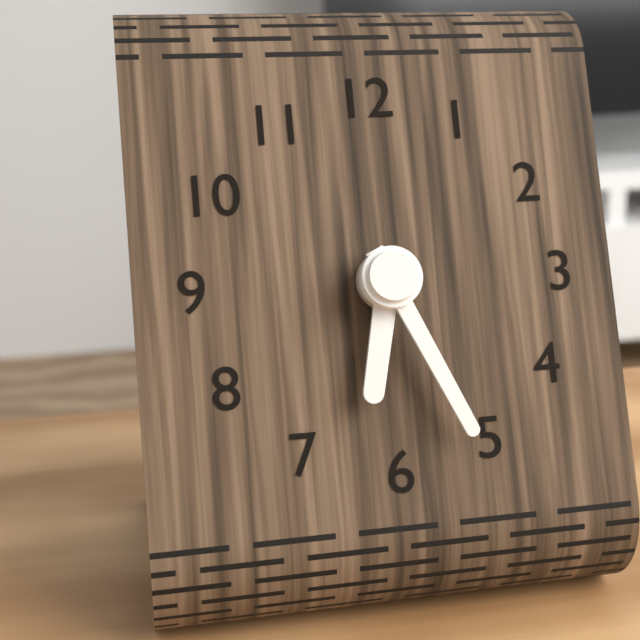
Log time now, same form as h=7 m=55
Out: h=6 m=26
